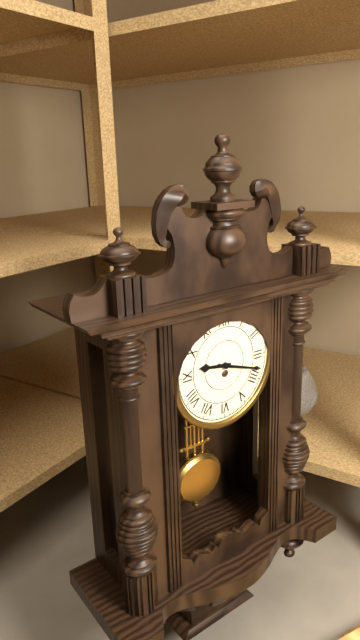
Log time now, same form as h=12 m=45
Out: h=9 m=18
